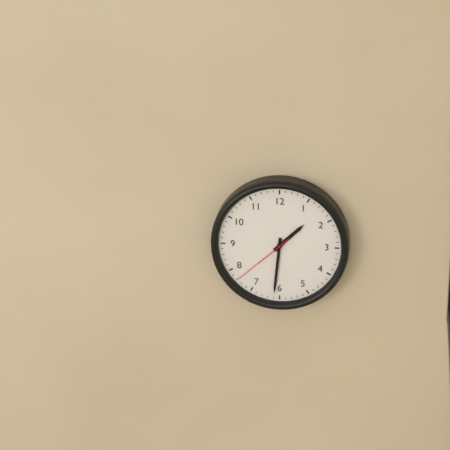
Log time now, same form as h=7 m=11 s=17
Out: h=1 m=31 s=38
